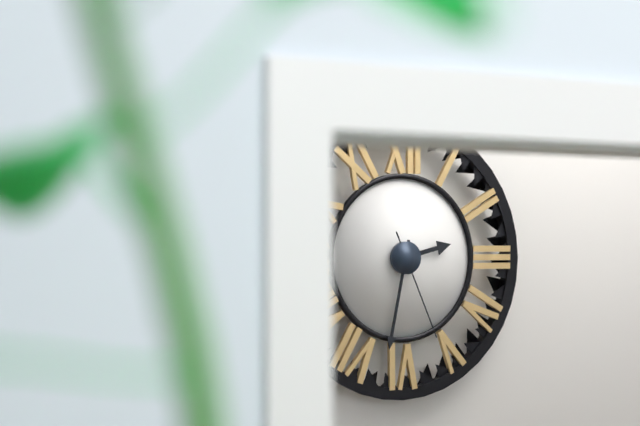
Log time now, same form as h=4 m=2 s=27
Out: h=2 m=32 s=26
